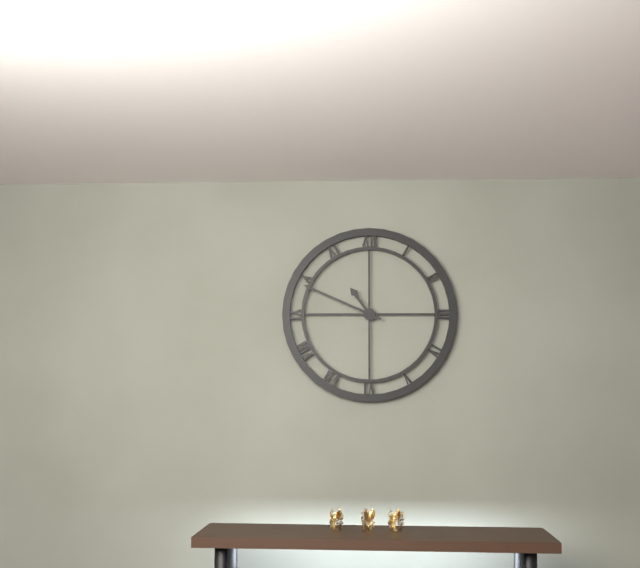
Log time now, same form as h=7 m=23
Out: h=10 m=49
